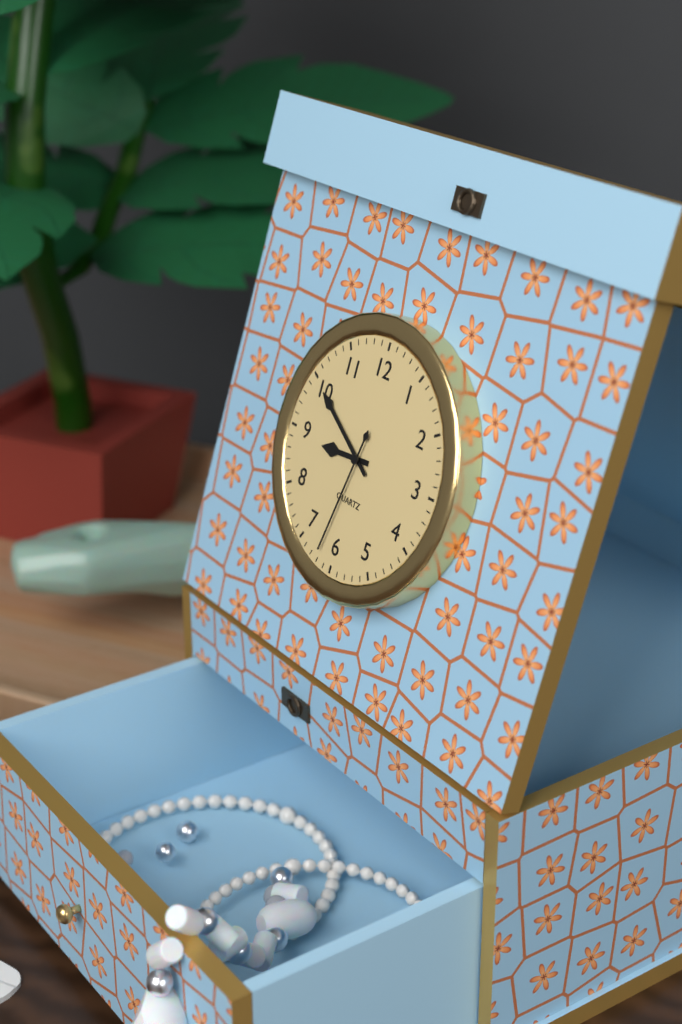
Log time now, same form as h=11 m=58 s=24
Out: h=8 m=50 s=32
